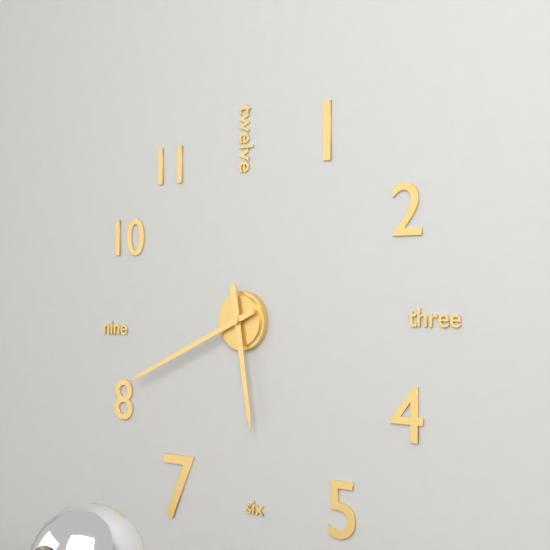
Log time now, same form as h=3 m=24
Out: h=5 m=41
